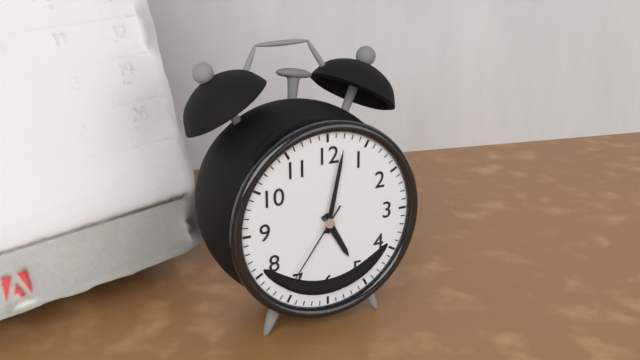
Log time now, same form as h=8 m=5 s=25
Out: h=5 m=2 s=36
